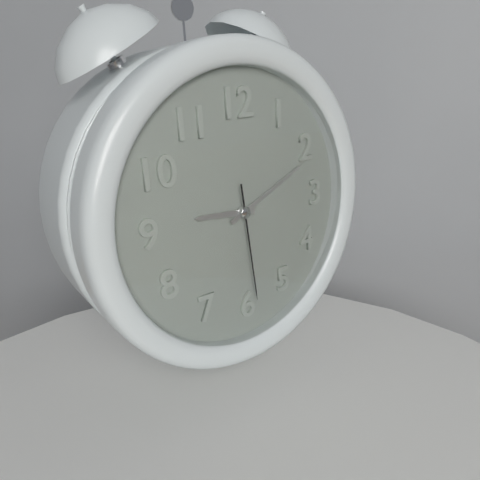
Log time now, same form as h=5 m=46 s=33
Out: h=9 m=11 s=29
